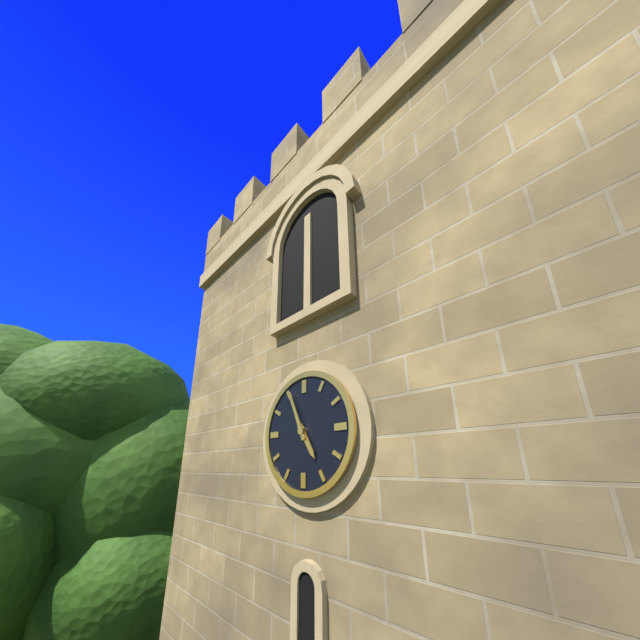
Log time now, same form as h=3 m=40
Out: h=4 m=56
